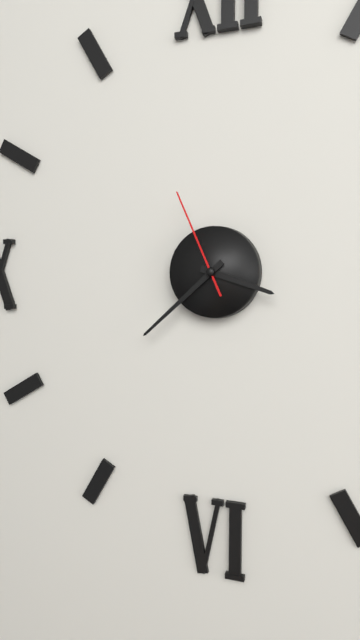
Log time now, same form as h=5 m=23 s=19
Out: h=3 m=38 s=56
